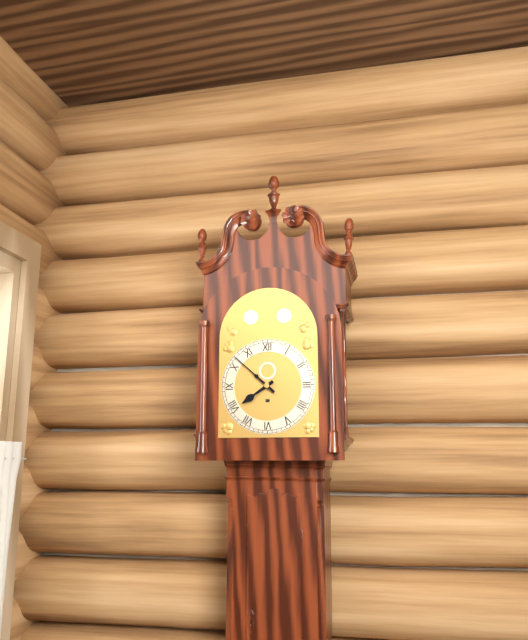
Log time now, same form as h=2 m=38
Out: h=7 m=52
